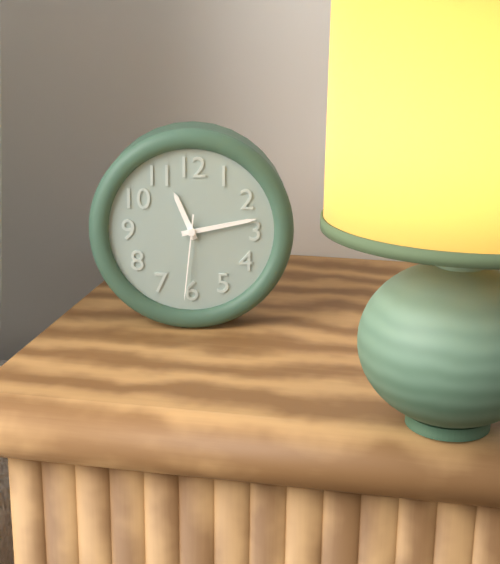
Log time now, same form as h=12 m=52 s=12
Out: h=11 m=13 s=31
